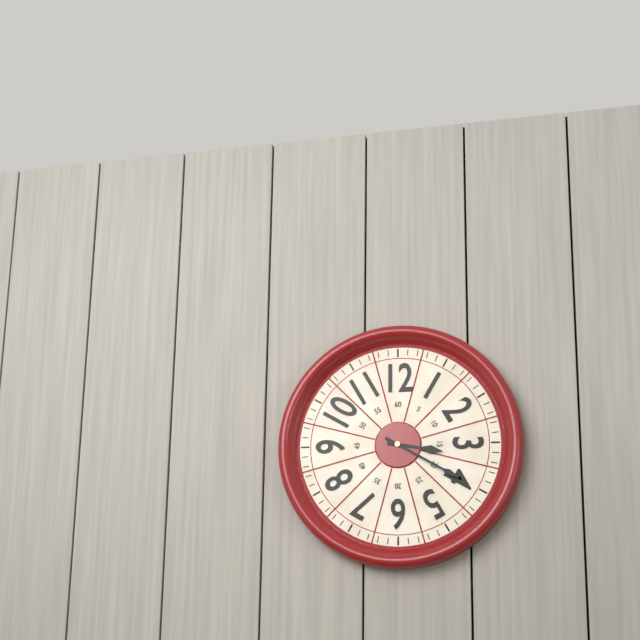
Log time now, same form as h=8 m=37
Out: h=3 m=20
